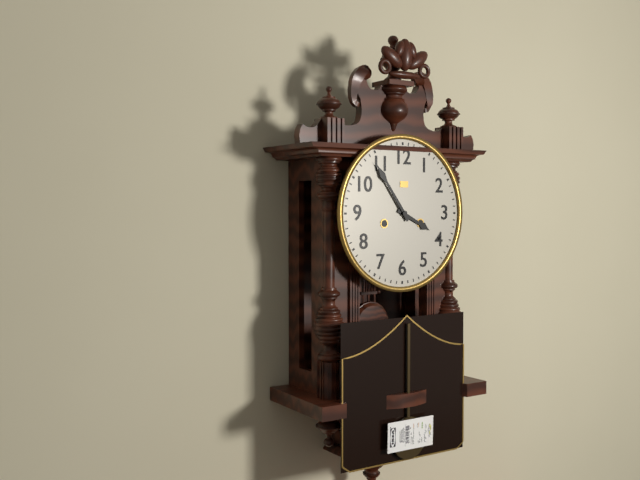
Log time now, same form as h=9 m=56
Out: h=3 m=54
